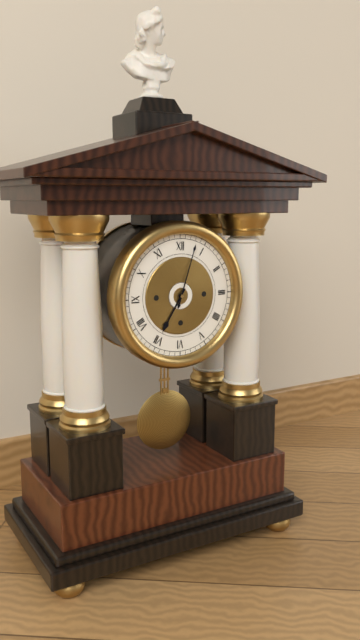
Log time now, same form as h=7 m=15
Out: h=7 m=3
